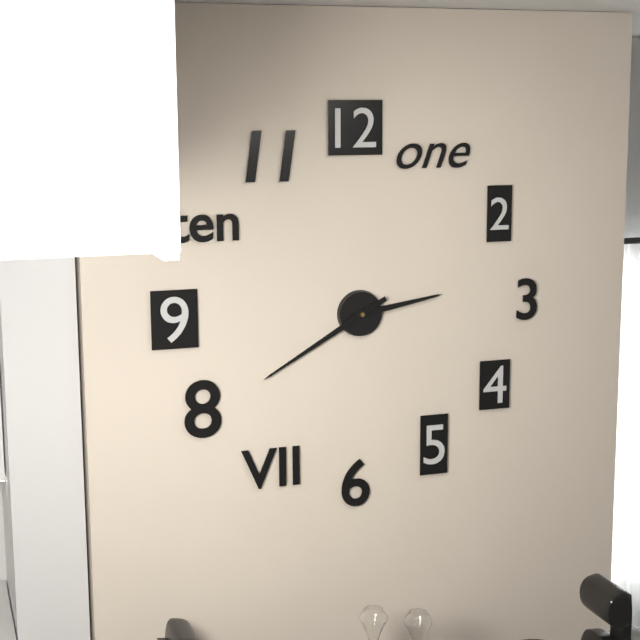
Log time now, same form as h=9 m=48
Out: h=2 m=40
